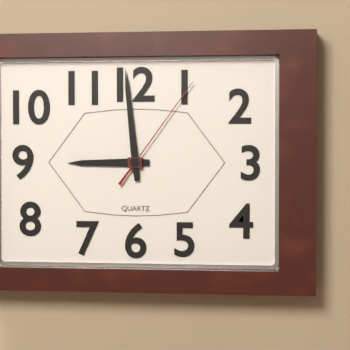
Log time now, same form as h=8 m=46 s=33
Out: h=8 m=59 s=6
